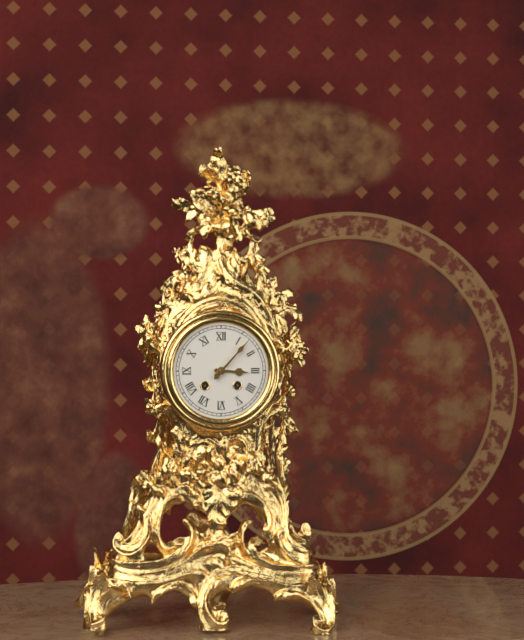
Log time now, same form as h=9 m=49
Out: h=3 m=7
